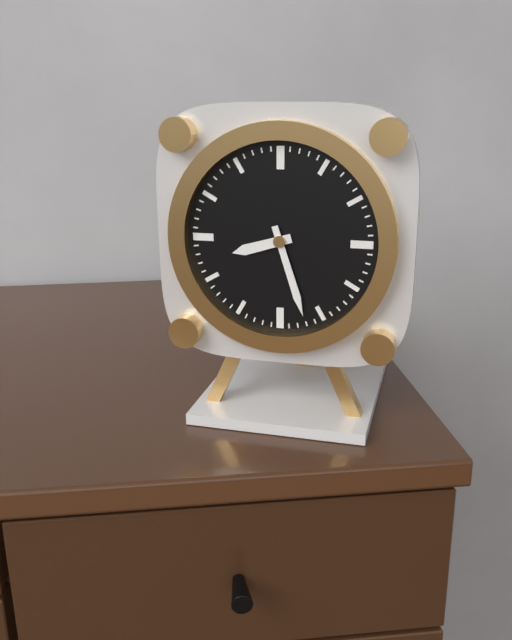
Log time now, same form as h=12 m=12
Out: h=8 m=27
